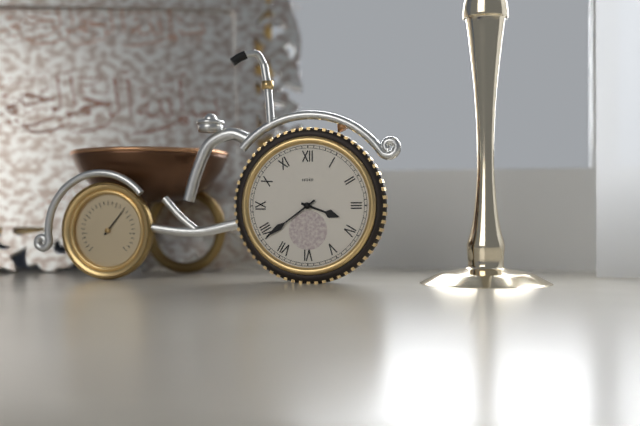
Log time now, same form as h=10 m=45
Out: h=3 m=39
